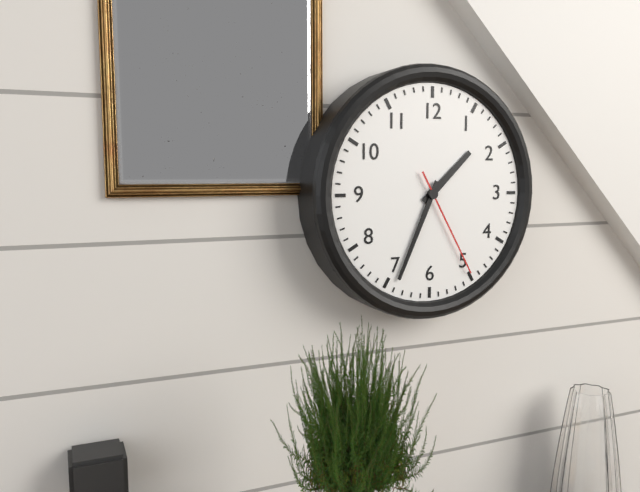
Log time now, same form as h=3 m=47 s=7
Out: h=1 m=34 s=25
